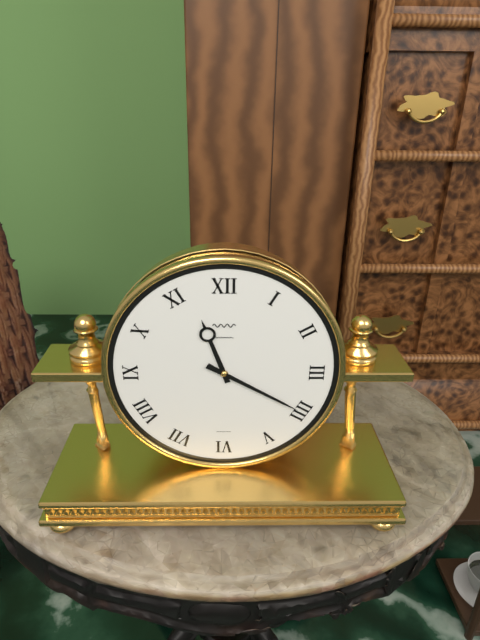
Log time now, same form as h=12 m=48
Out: h=11 m=20
